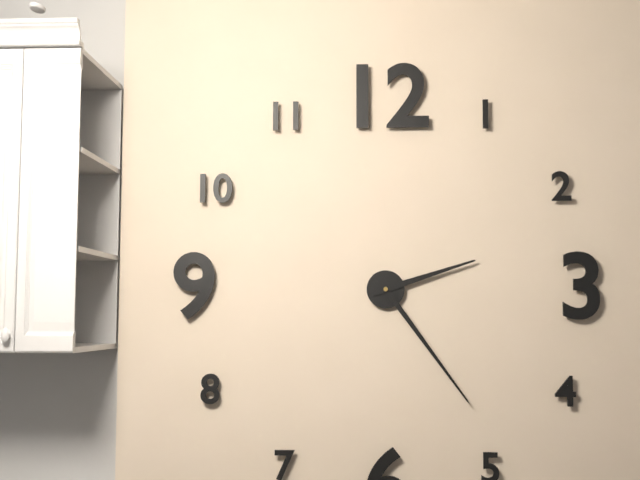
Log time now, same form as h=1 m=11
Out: h=2 m=24
